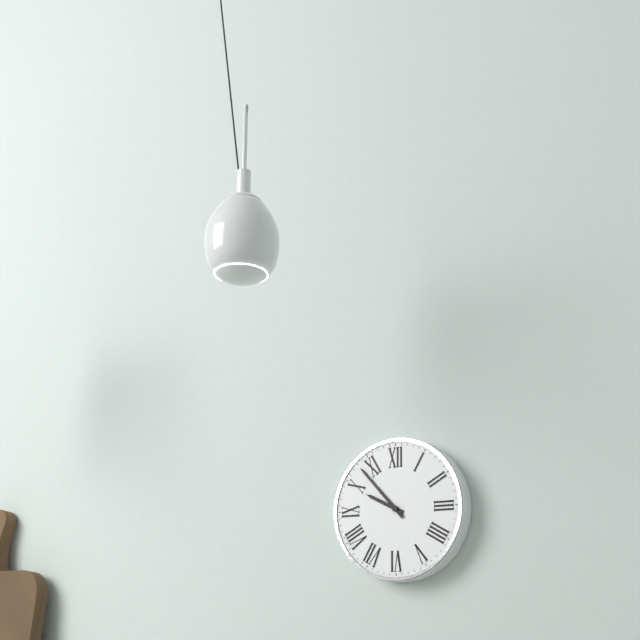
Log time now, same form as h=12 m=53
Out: h=9 m=53
